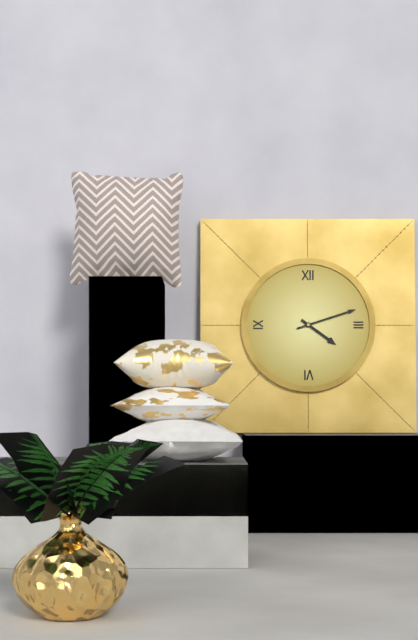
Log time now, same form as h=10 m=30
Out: h=4 m=12
